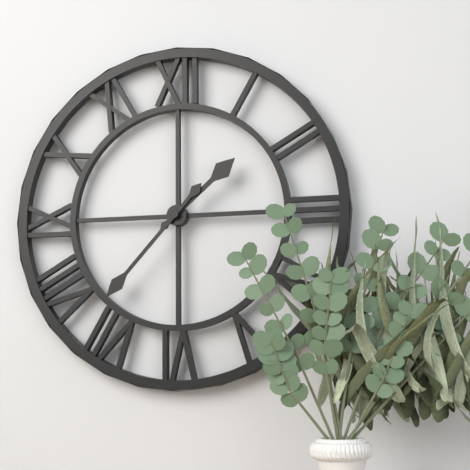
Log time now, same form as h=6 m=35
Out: h=1 m=37
